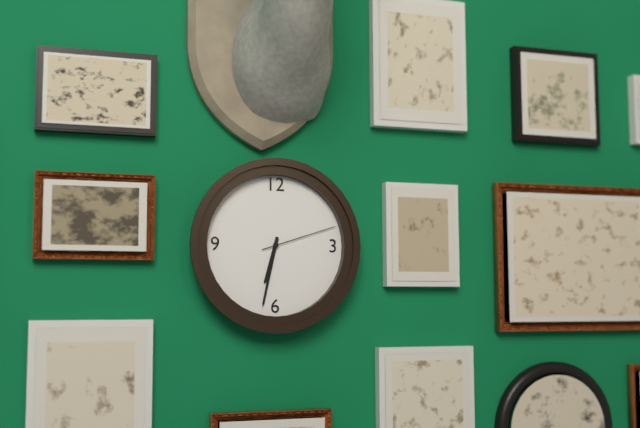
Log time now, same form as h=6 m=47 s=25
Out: h=6 m=32 s=12
